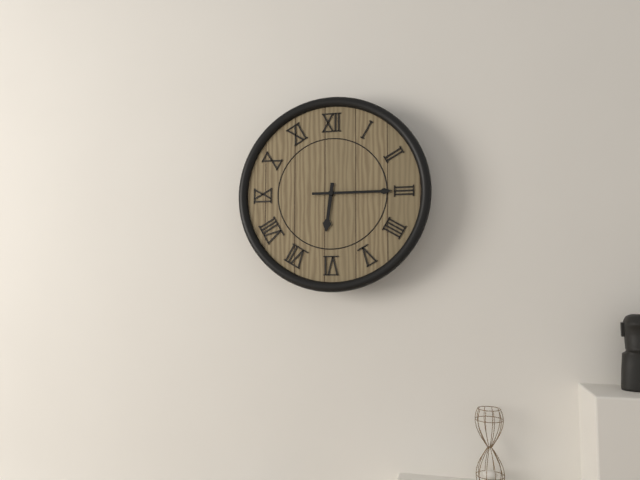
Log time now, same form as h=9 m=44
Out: h=6 m=15
